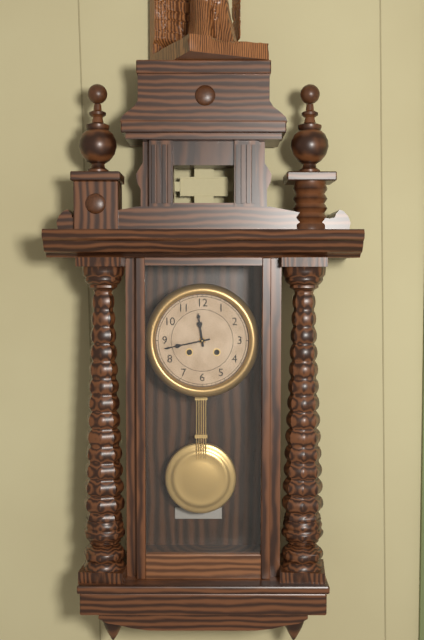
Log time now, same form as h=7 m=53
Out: h=11 m=43
